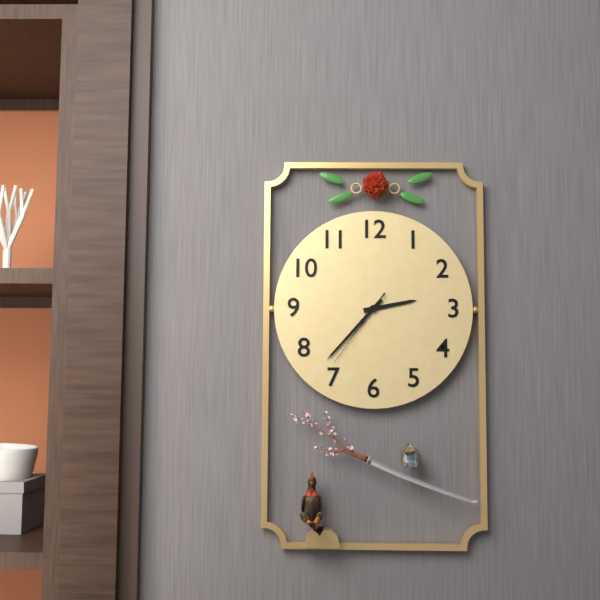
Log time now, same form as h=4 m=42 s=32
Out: h=2 m=37 s=36
